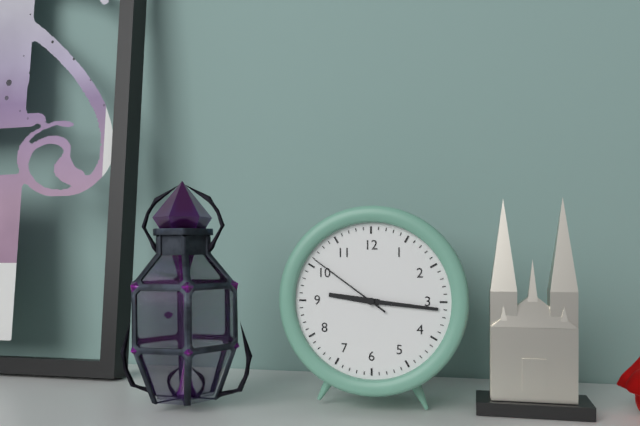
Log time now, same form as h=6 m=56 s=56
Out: h=9 m=16 s=51
